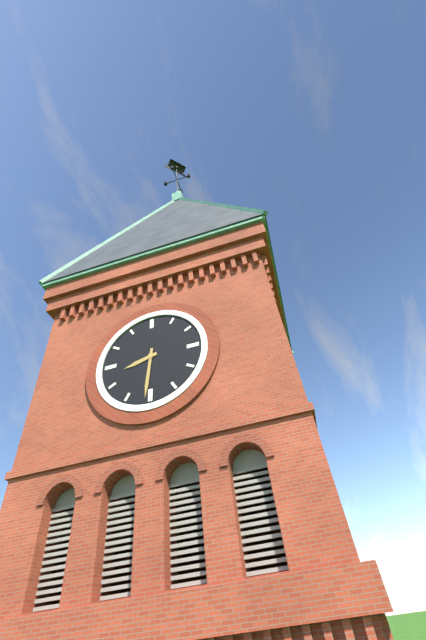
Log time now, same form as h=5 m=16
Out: h=8 m=31
